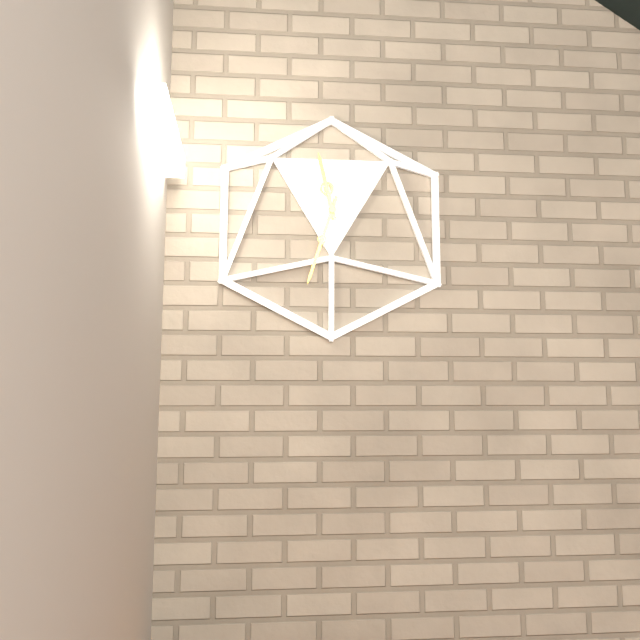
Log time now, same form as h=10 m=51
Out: h=11 m=33
